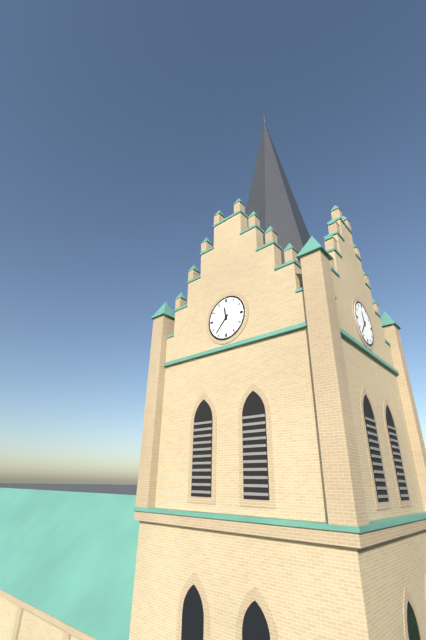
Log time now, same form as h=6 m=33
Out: h=11 m=37
